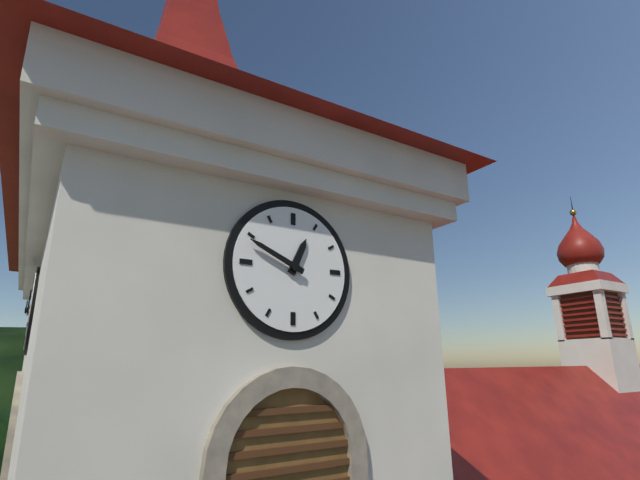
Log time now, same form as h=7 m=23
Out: h=12 m=49
